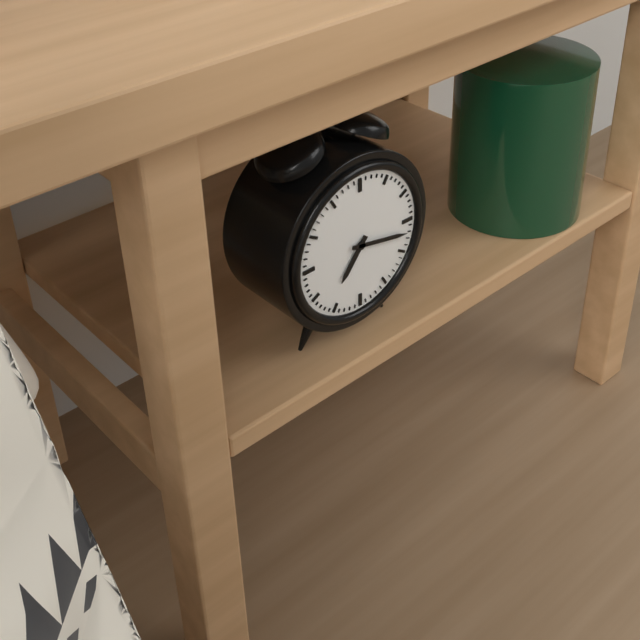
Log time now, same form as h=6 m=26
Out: h=7 m=17
